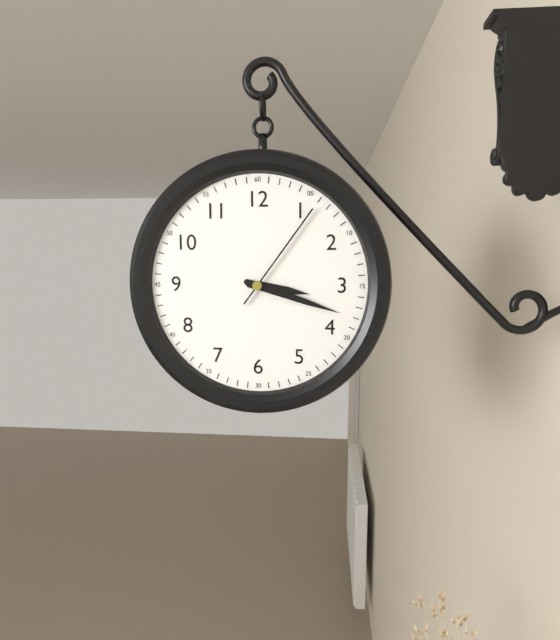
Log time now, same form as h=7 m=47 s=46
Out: h=3 m=18 s=6
